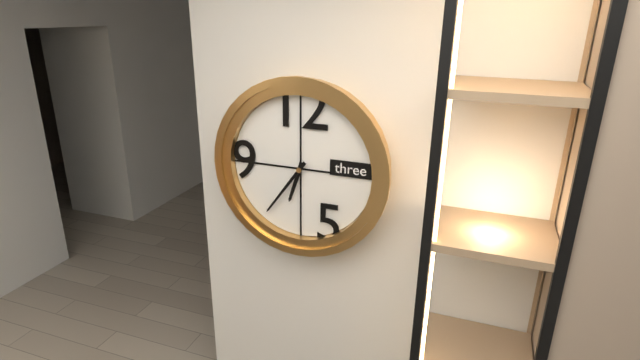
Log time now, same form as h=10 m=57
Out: h=6 m=36
